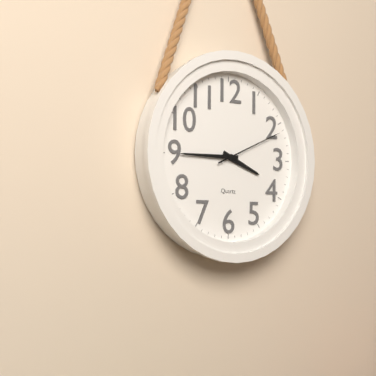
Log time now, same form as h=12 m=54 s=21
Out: h=3 m=45 s=11
